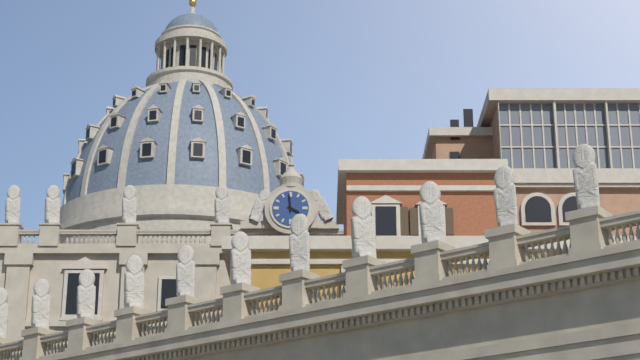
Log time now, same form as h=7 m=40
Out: h=3 m=59
